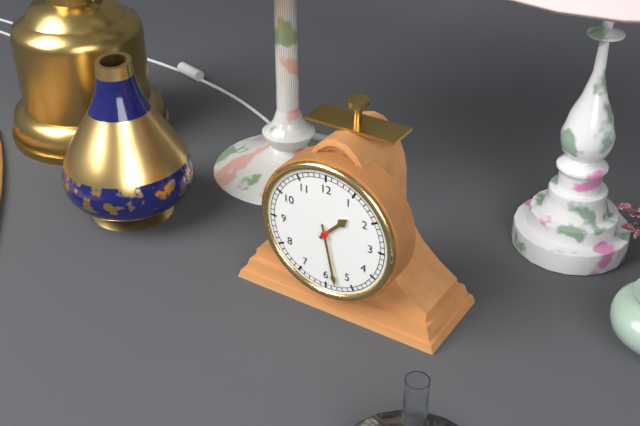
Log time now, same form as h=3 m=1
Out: h=1 m=28
